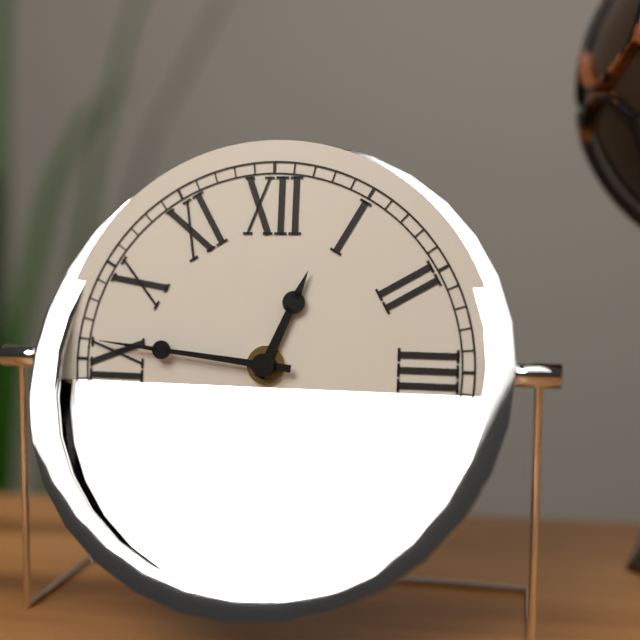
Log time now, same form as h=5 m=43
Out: h=12 m=46
